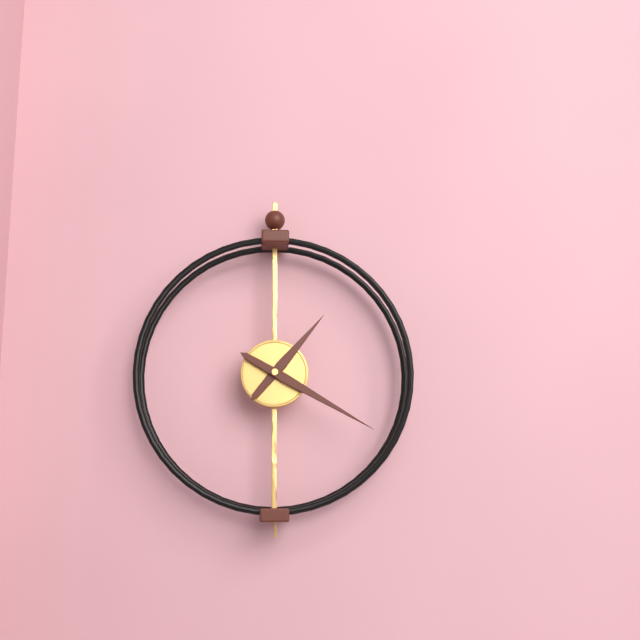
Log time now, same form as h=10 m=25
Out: h=1 m=20
